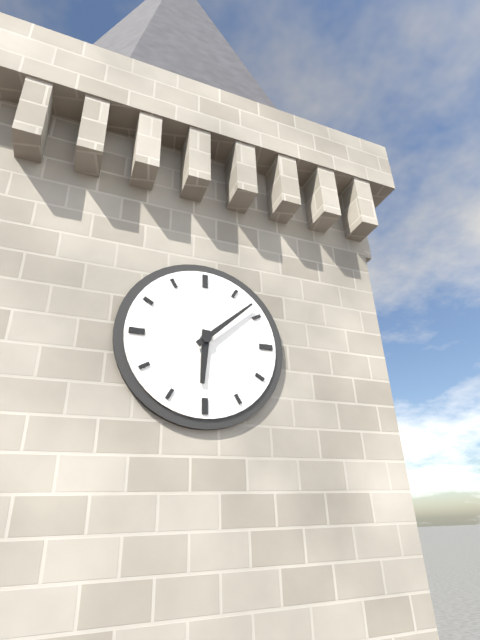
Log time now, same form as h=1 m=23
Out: h=6 m=8
